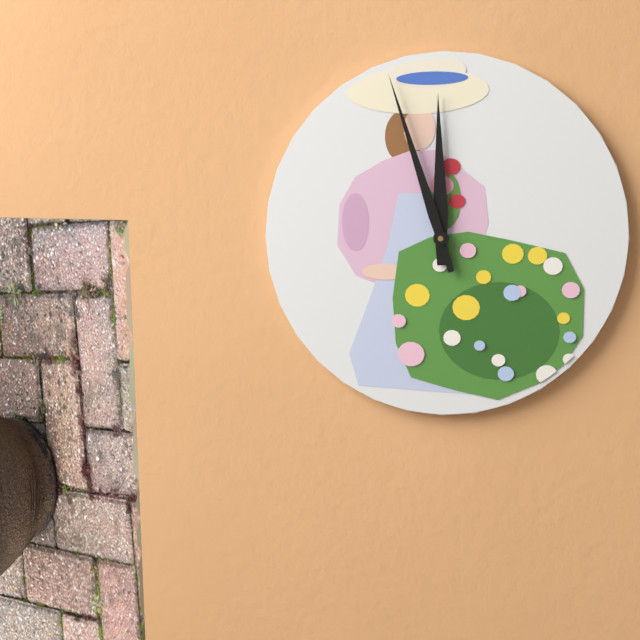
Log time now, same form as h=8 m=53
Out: h=11 m=57
